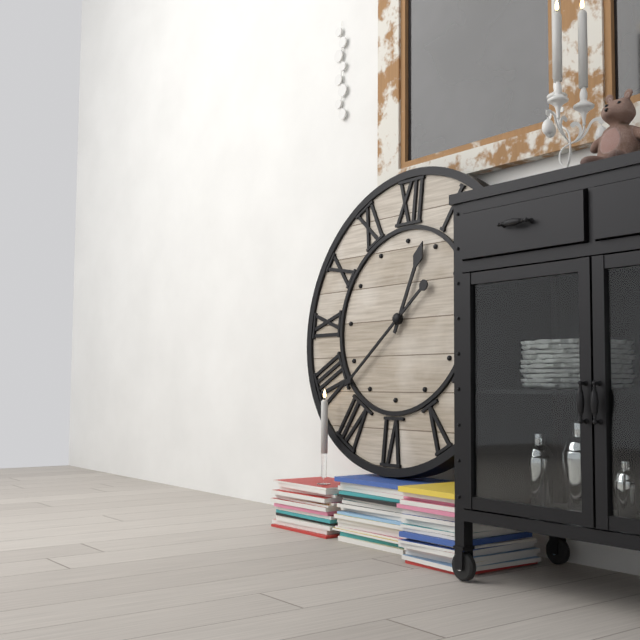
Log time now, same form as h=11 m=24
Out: h=12 m=38
